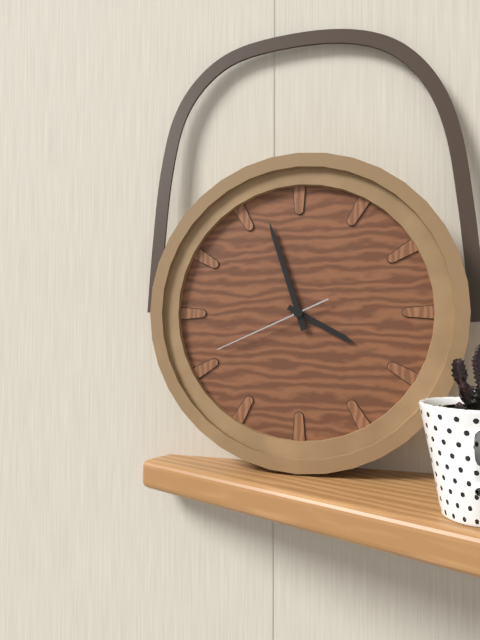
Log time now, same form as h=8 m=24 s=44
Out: h=3 m=57 s=41
